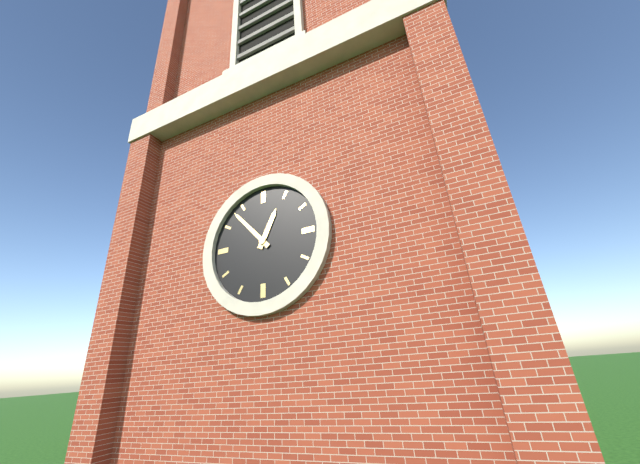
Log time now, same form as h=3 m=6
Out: h=12 m=53
